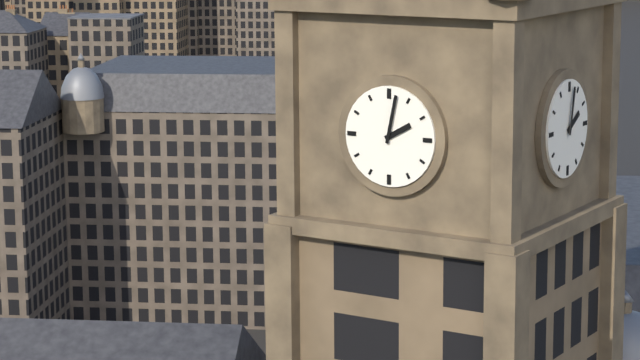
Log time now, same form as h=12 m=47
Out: h=2 m=2
